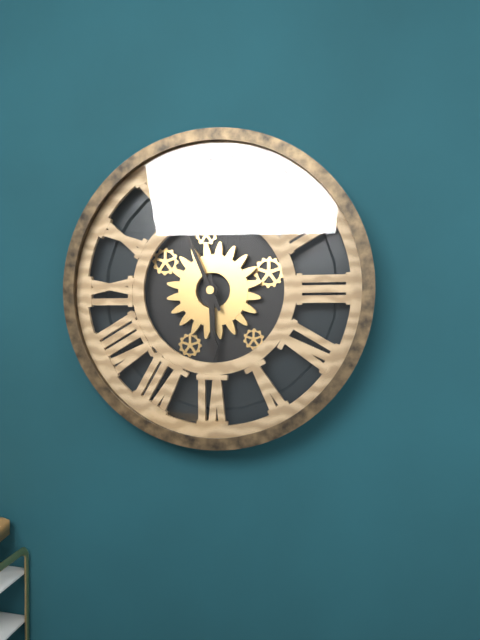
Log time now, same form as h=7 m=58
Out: h=5 m=56
